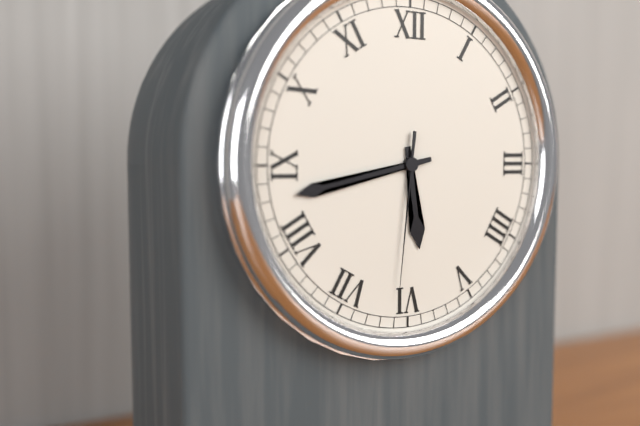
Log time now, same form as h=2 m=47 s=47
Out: h=5 m=43 s=31
